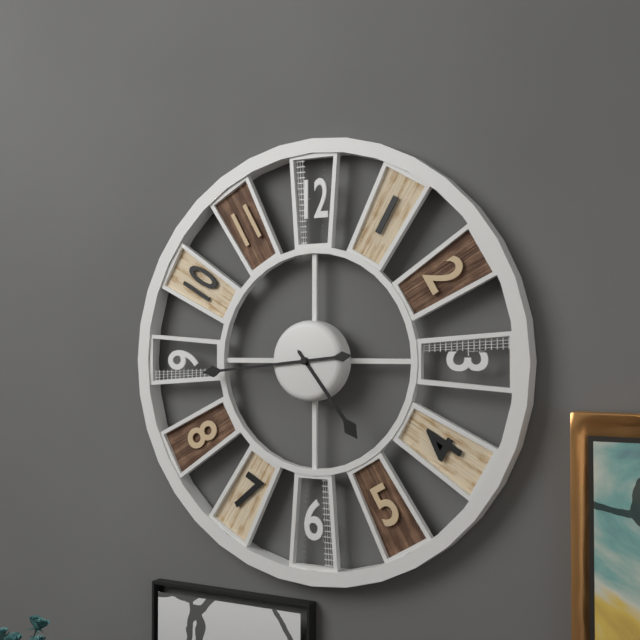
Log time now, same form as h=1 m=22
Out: h=4 m=44
